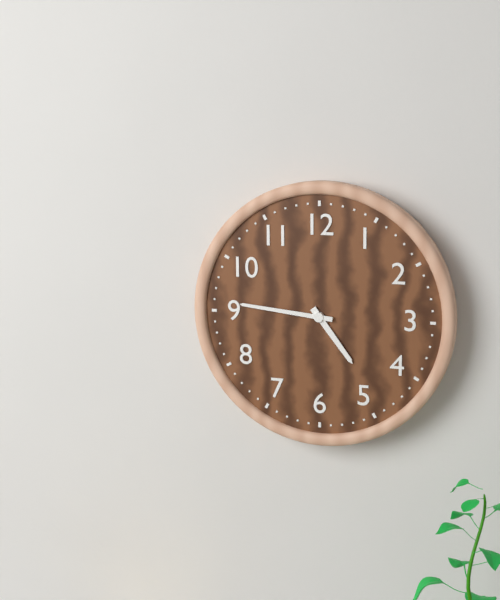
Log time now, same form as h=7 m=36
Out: h=4 m=46
